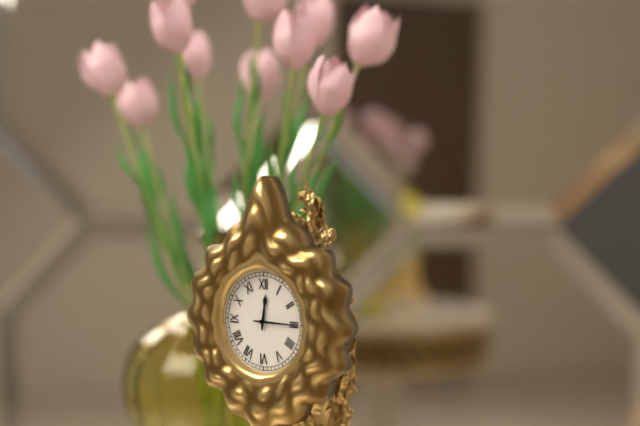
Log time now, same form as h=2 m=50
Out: h=12 m=15
